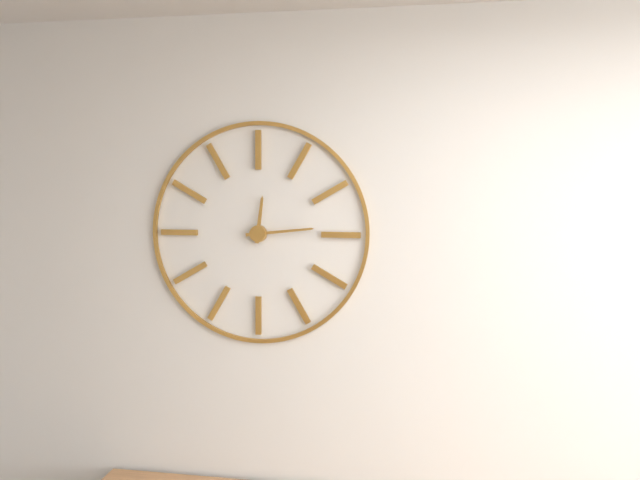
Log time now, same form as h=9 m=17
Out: h=12 m=14
